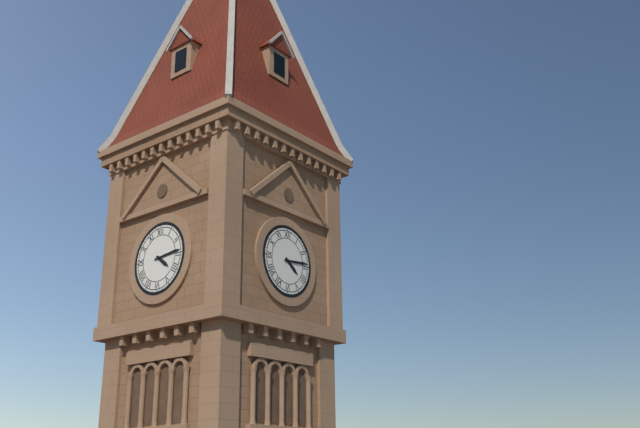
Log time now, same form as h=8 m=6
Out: h=4 m=14
